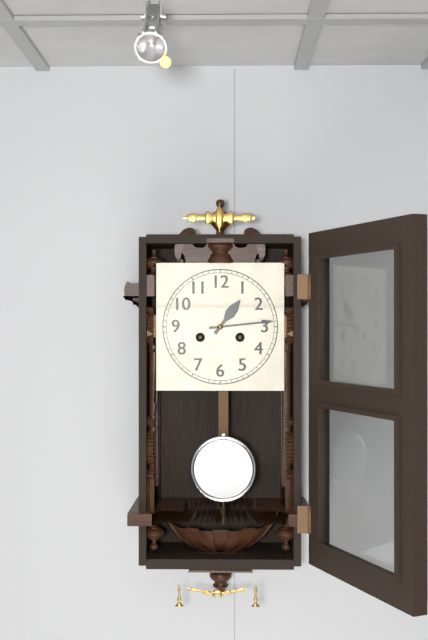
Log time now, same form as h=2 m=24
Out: h=1 m=14
